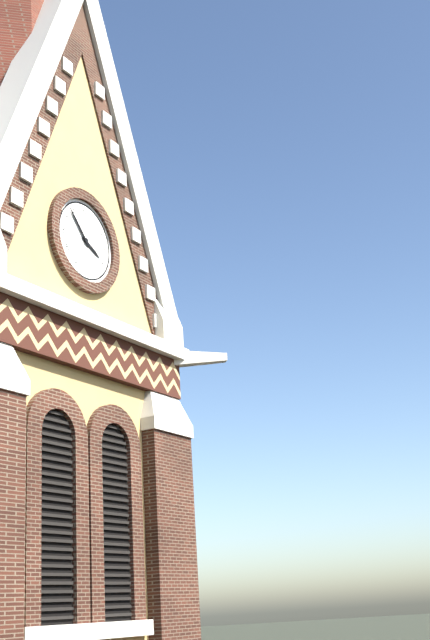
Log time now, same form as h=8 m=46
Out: h=3 m=53
